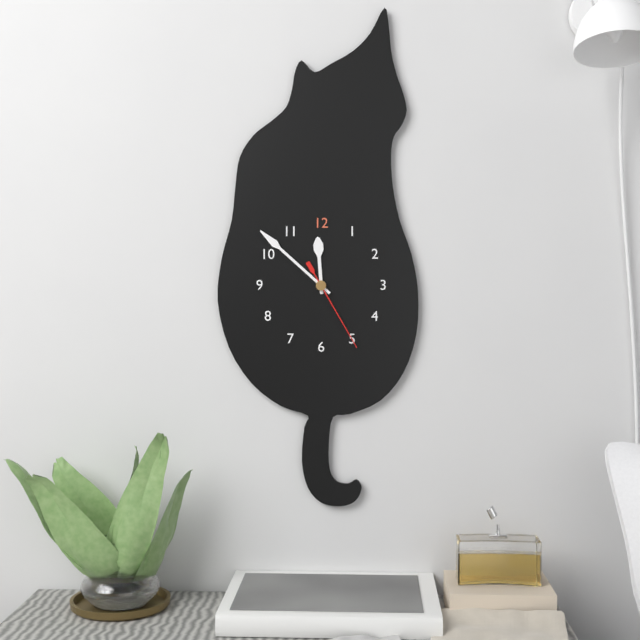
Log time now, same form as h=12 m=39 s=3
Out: h=11 m=52 s=25
